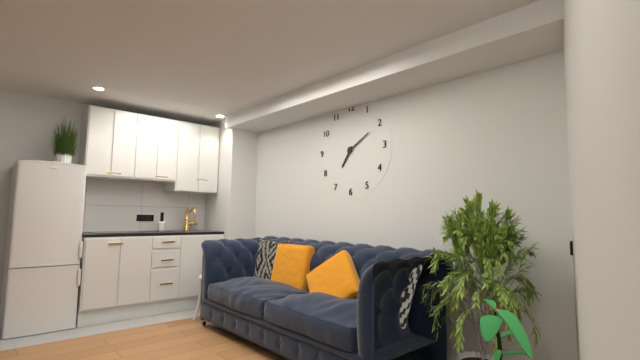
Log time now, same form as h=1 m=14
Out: h=7 m=10
